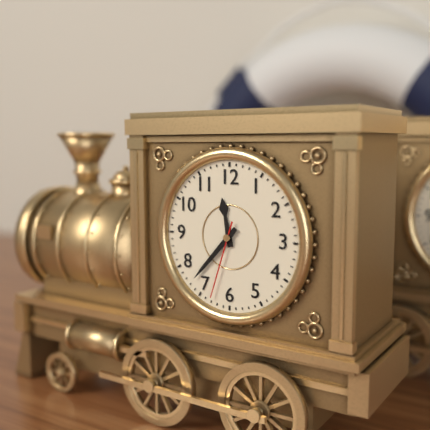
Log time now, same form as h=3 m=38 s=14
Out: h=11 m=37 s=33
